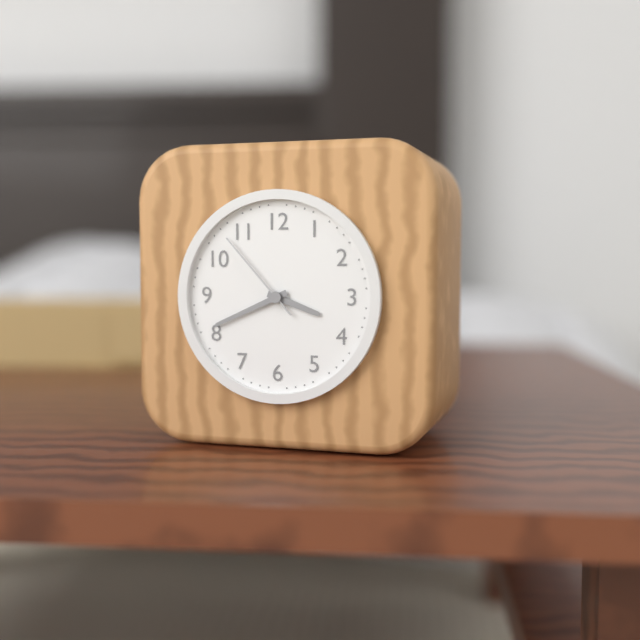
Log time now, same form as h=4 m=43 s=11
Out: h=3 m=41 s=53
